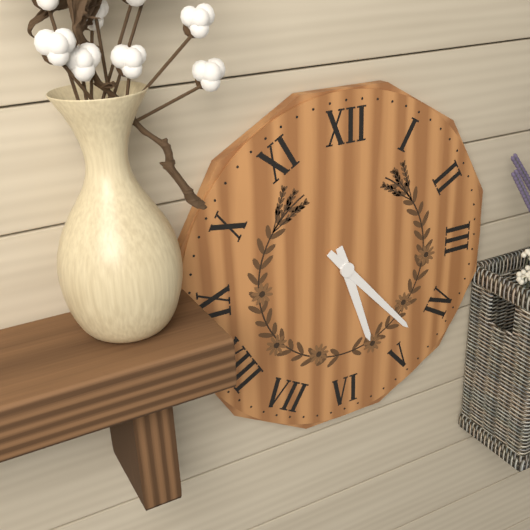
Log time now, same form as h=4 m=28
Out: h=5 m=23
